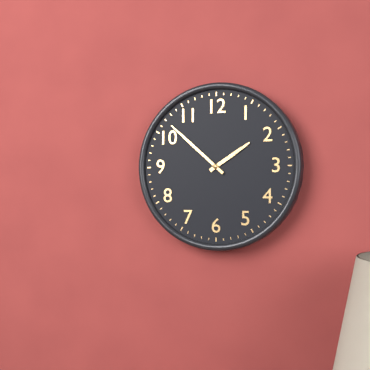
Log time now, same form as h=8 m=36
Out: h=1 m=52
